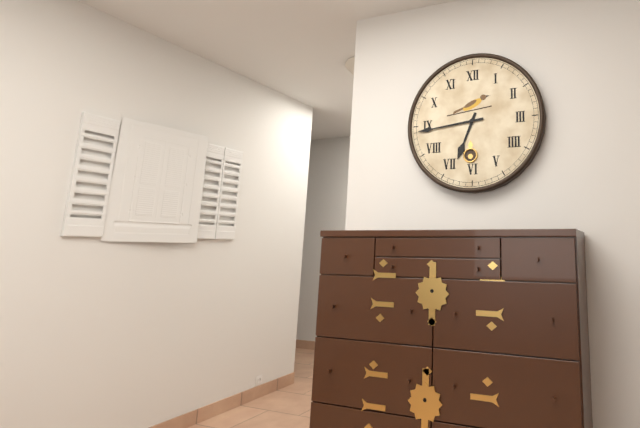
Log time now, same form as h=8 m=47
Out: h=6 m=44
